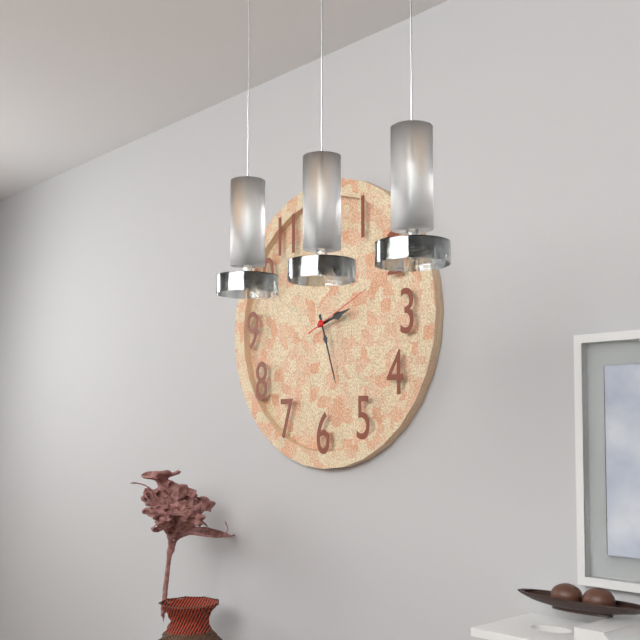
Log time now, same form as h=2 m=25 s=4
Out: h=2 m=27 s=11
